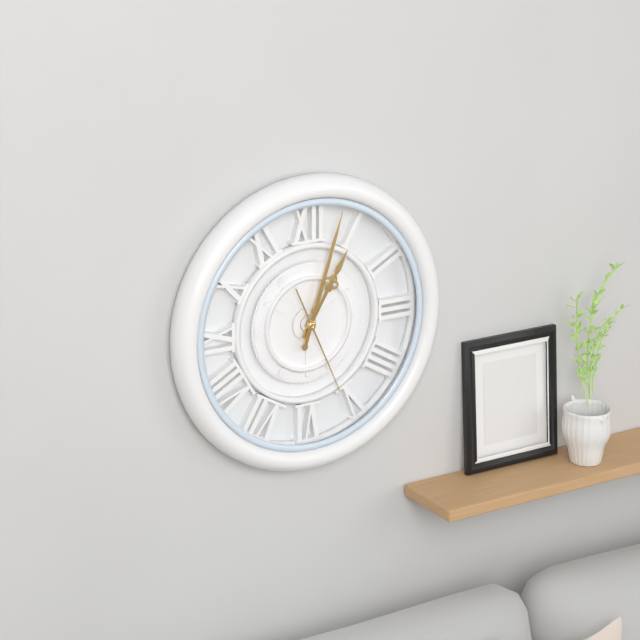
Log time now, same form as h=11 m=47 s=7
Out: h=1 m=3 s=26
